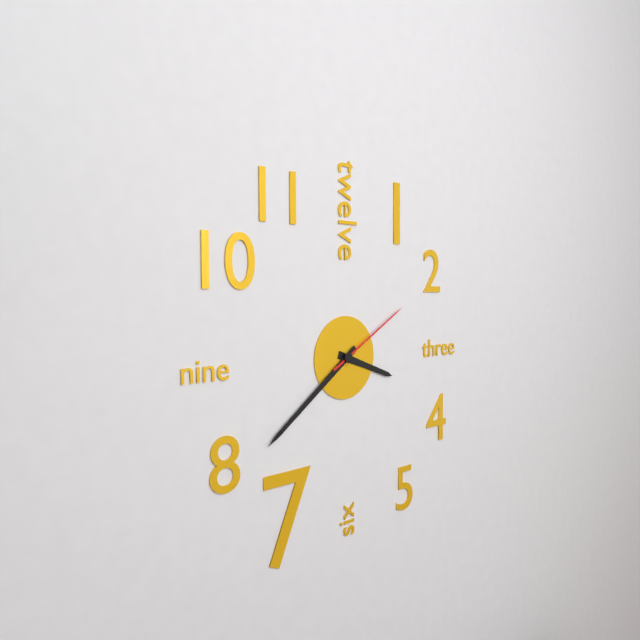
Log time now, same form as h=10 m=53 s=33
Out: h=3 m=39 s=10
